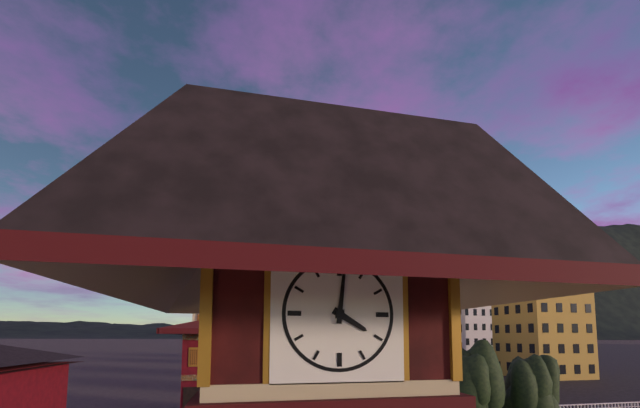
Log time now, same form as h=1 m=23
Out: h=4 m=1
